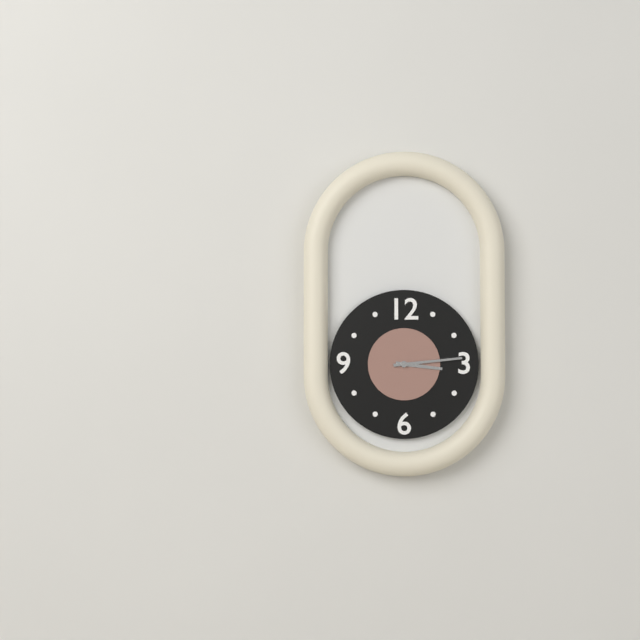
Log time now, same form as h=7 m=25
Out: h=3 m=14
